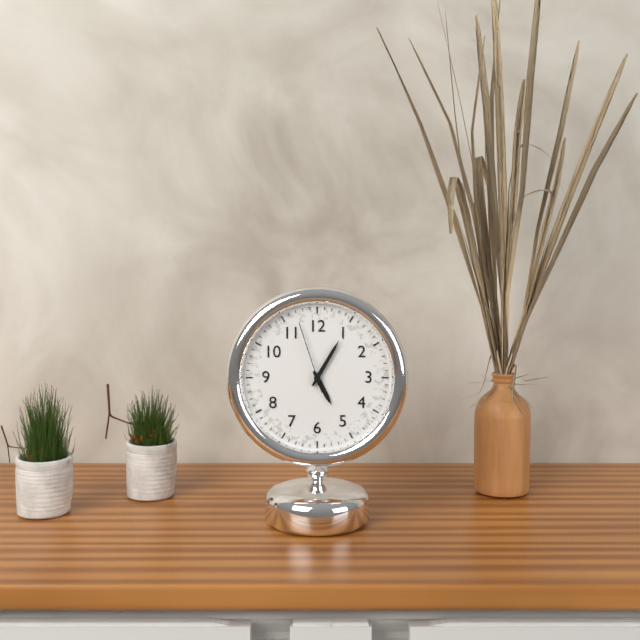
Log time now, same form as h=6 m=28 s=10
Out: h=5 m=5 s=57
